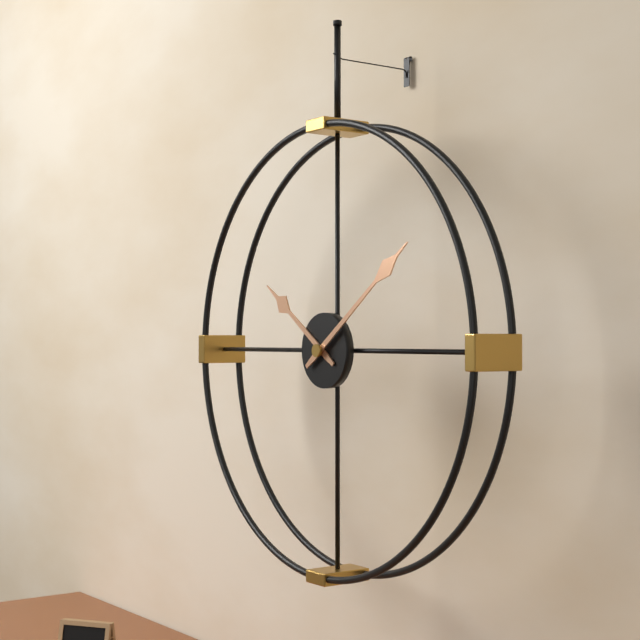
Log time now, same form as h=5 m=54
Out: h=10 m=9
